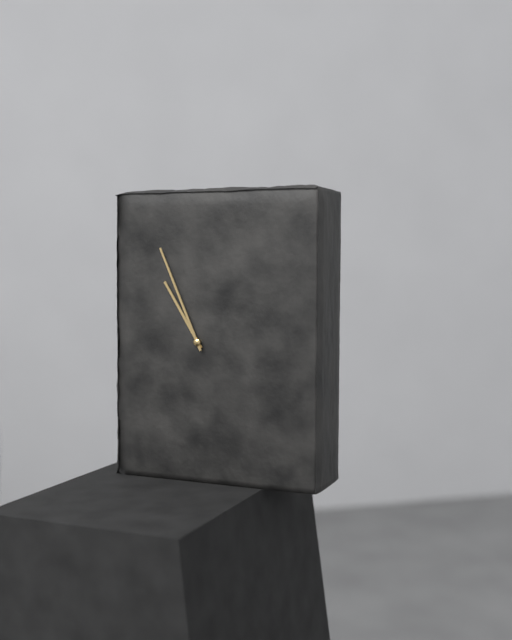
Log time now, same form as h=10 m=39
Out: h=10 m=56
